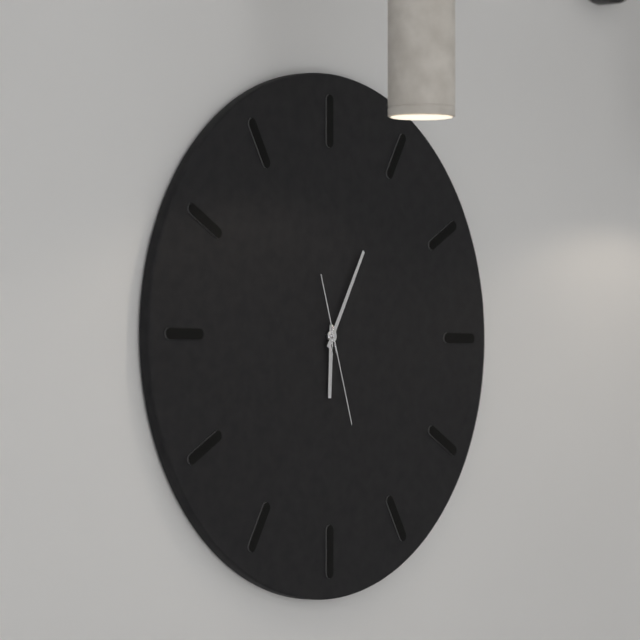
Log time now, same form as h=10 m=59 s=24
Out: h=6 m=5 s=27
